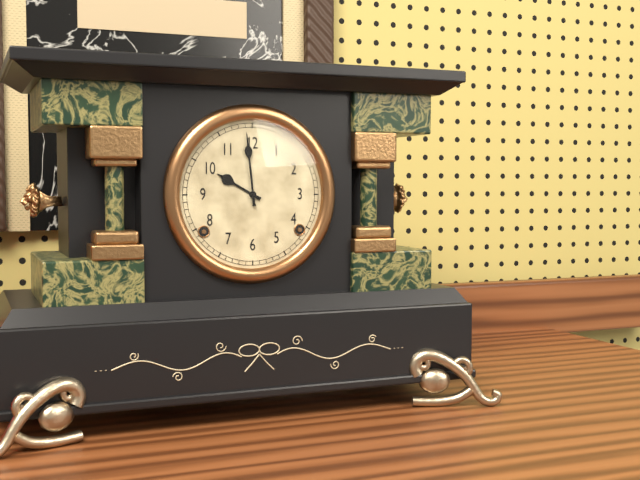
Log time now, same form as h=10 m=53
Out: h=9 m=59
